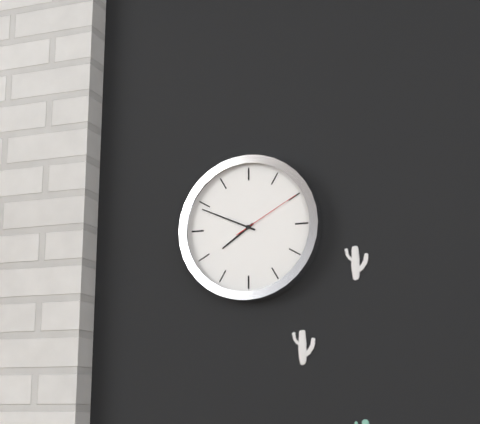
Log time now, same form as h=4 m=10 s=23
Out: h=7 m=49 s=10
